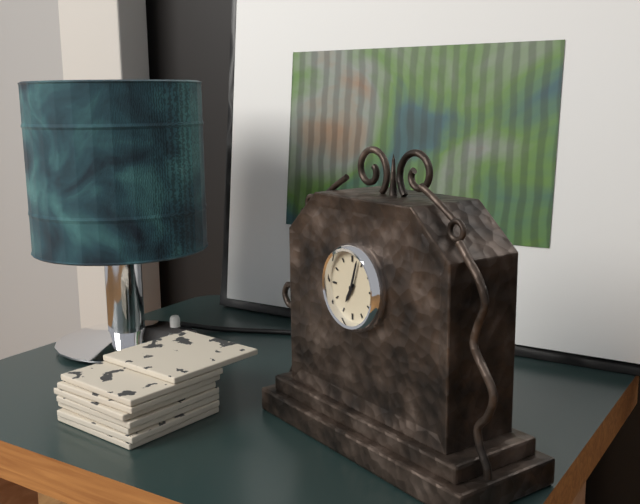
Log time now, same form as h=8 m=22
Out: h=7 m=3
